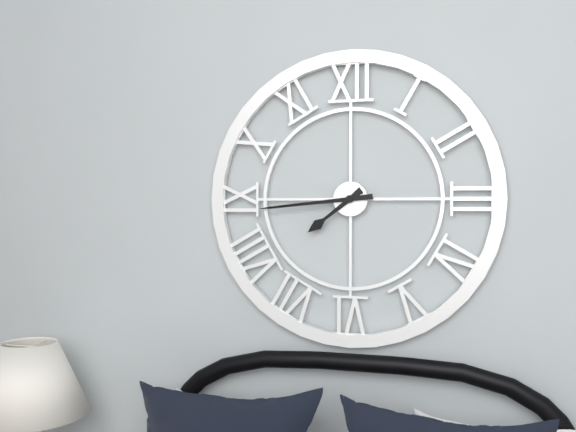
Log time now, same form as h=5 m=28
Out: h=7 m=44
